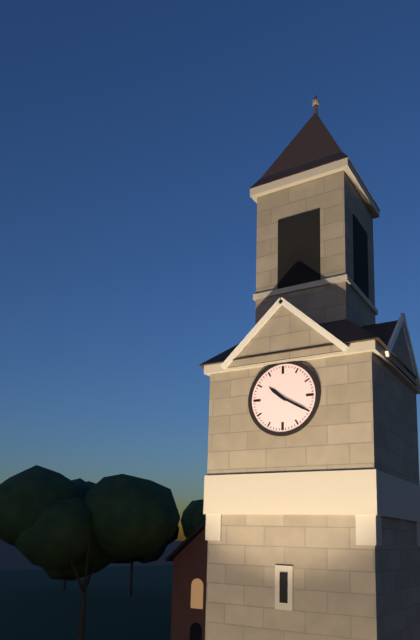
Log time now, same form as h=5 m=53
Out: h=10 m=20
